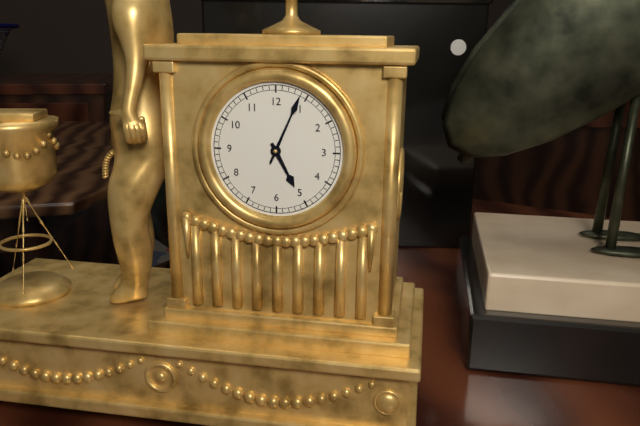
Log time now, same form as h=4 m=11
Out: h=5 m=4
